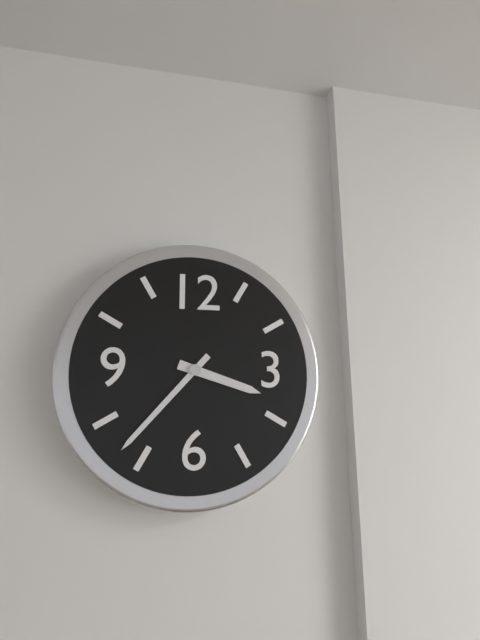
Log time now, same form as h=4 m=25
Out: h=3 m=37
